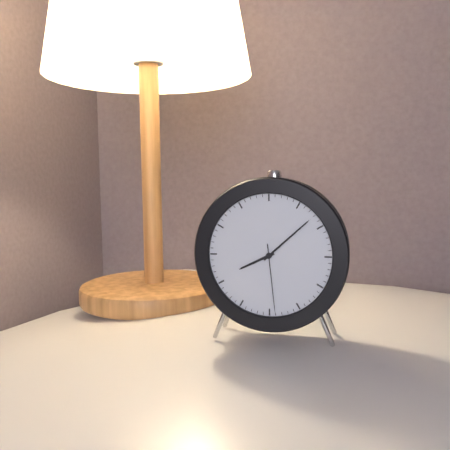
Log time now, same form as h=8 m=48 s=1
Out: h=8 m=8 s=29
